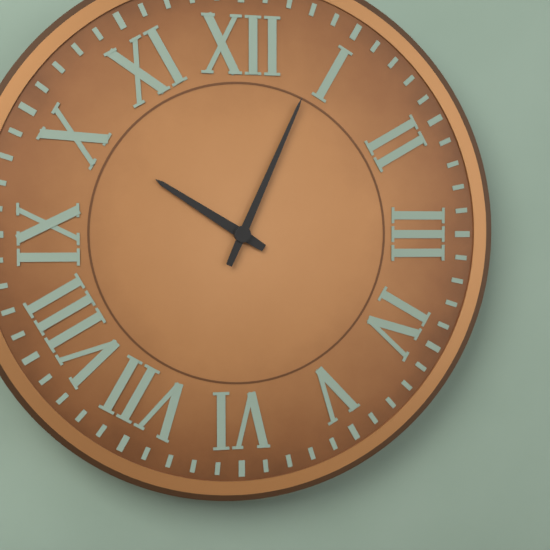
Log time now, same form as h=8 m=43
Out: h=10 m=4
